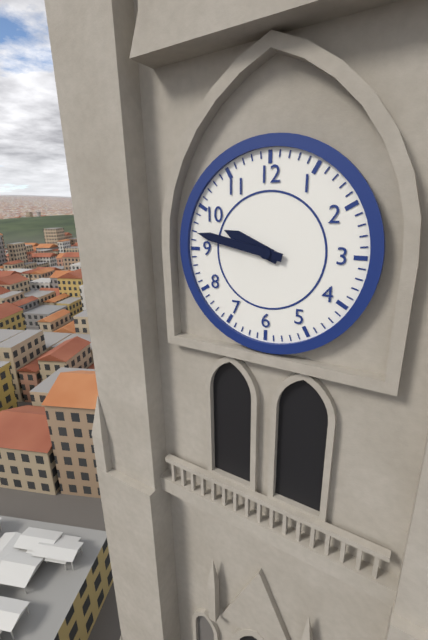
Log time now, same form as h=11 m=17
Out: h=9 m=47
